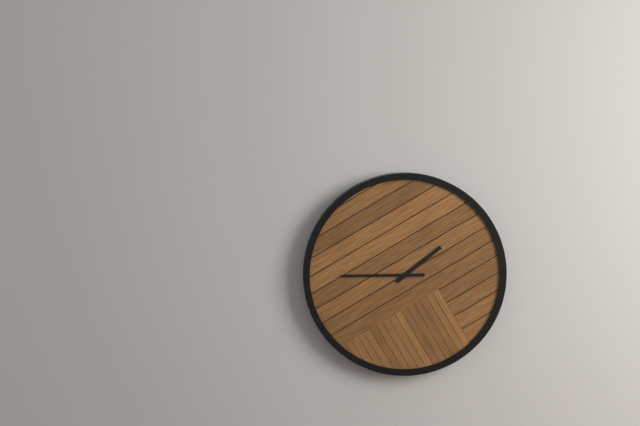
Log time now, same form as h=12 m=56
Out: h=1 m=45
